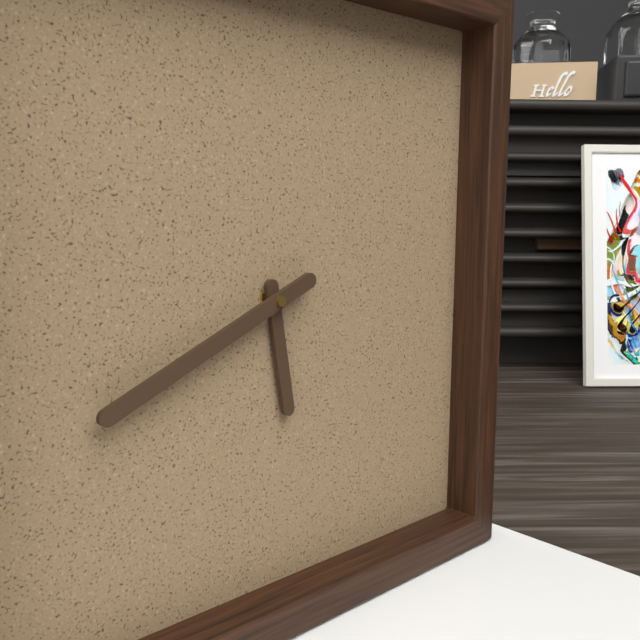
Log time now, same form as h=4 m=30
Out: h=5 m=41
